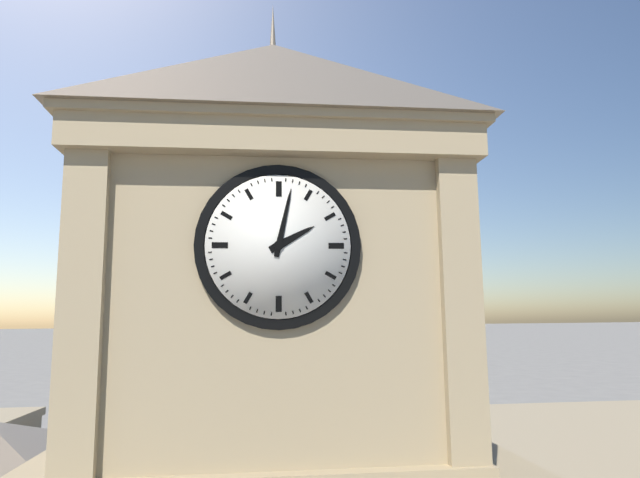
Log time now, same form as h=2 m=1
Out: h=2 m=2
